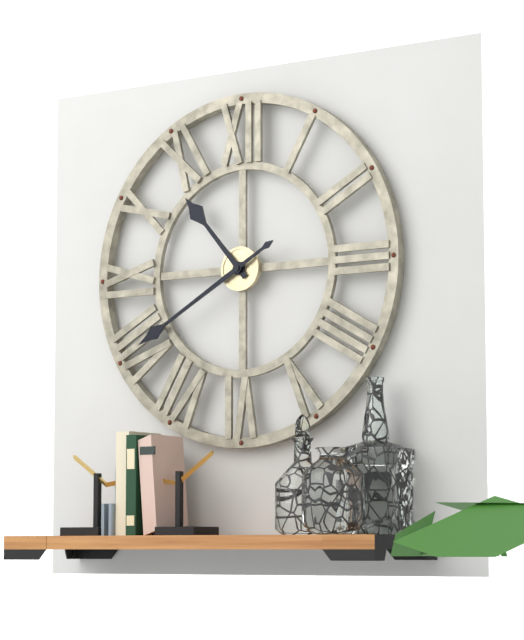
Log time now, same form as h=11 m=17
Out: h=10 m=40
